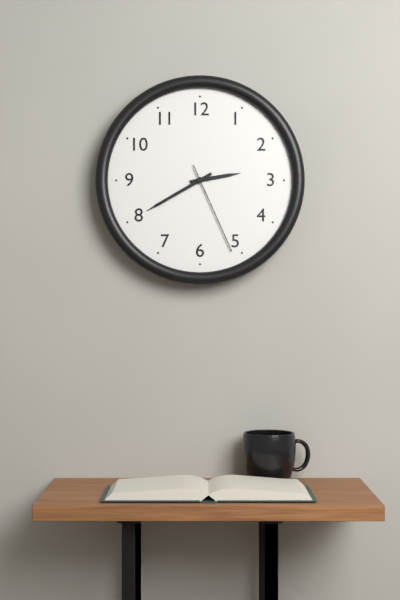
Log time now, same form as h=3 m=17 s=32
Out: h=2 m=40 s=26
